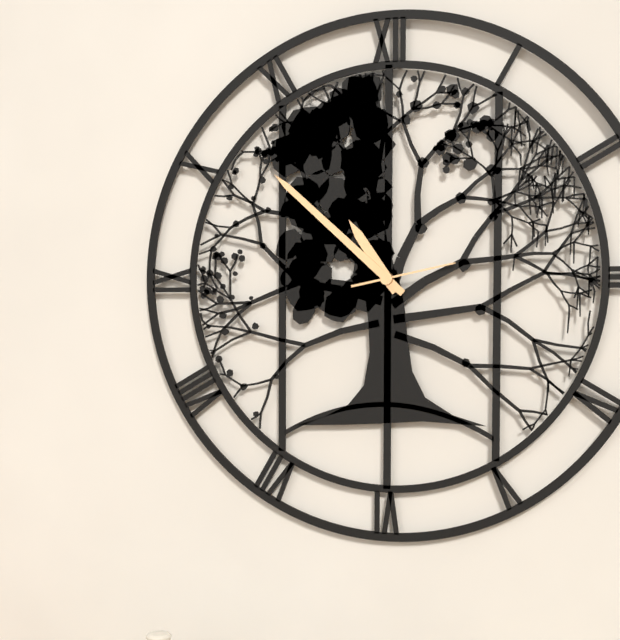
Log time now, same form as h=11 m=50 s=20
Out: h=10 m=52 s=13
